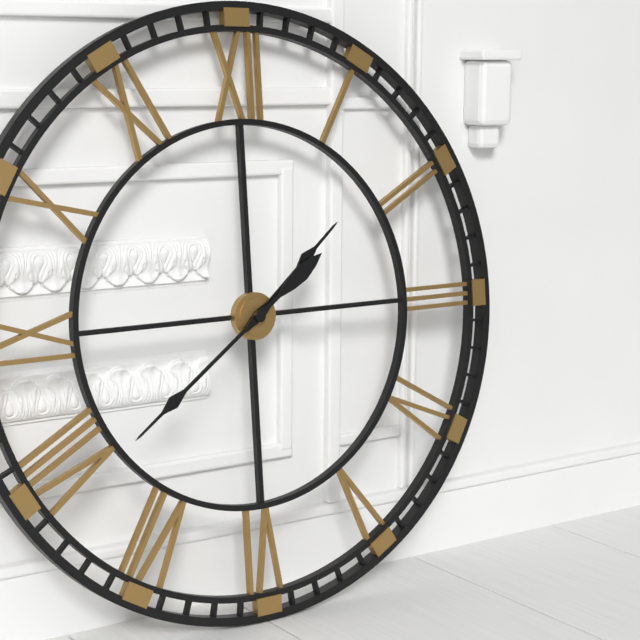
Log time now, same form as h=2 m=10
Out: h=1 m=39
